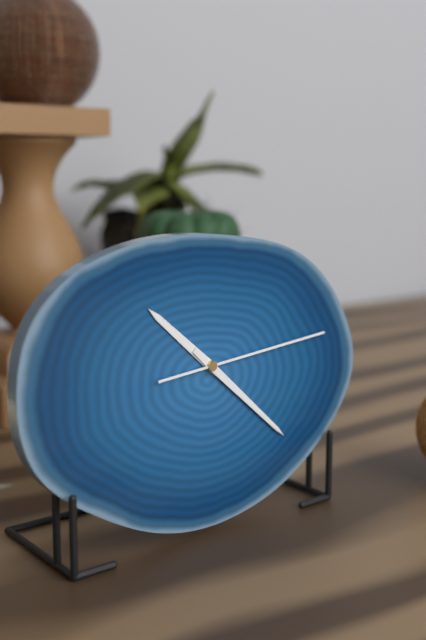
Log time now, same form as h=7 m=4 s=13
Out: h=10 m=22 s=14
